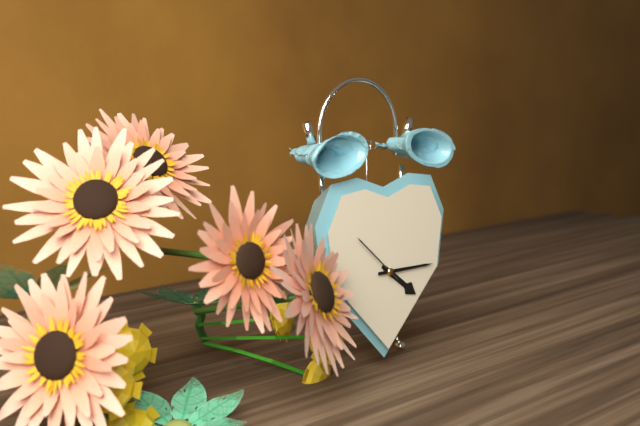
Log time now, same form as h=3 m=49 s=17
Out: h=4 m=15 s=52
